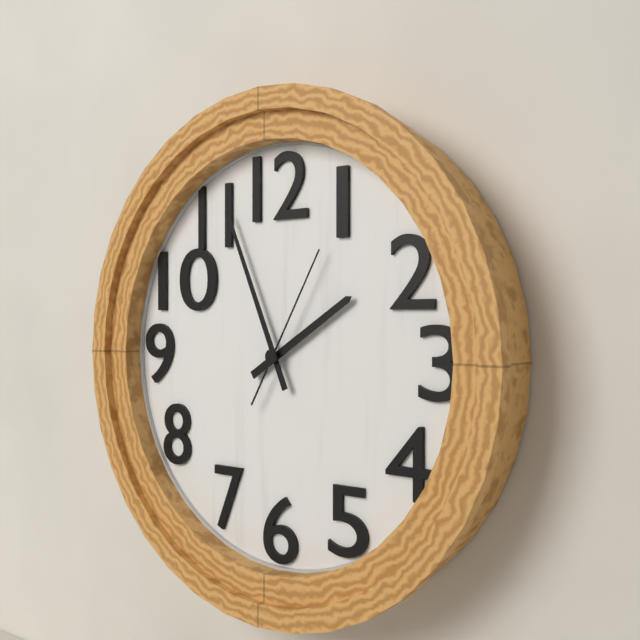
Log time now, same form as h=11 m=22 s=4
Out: h=1 m=56 s=5
